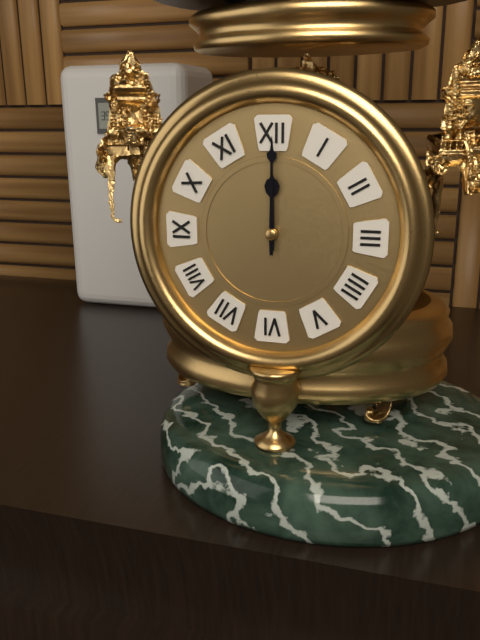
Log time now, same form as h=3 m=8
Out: h=12 m=0
